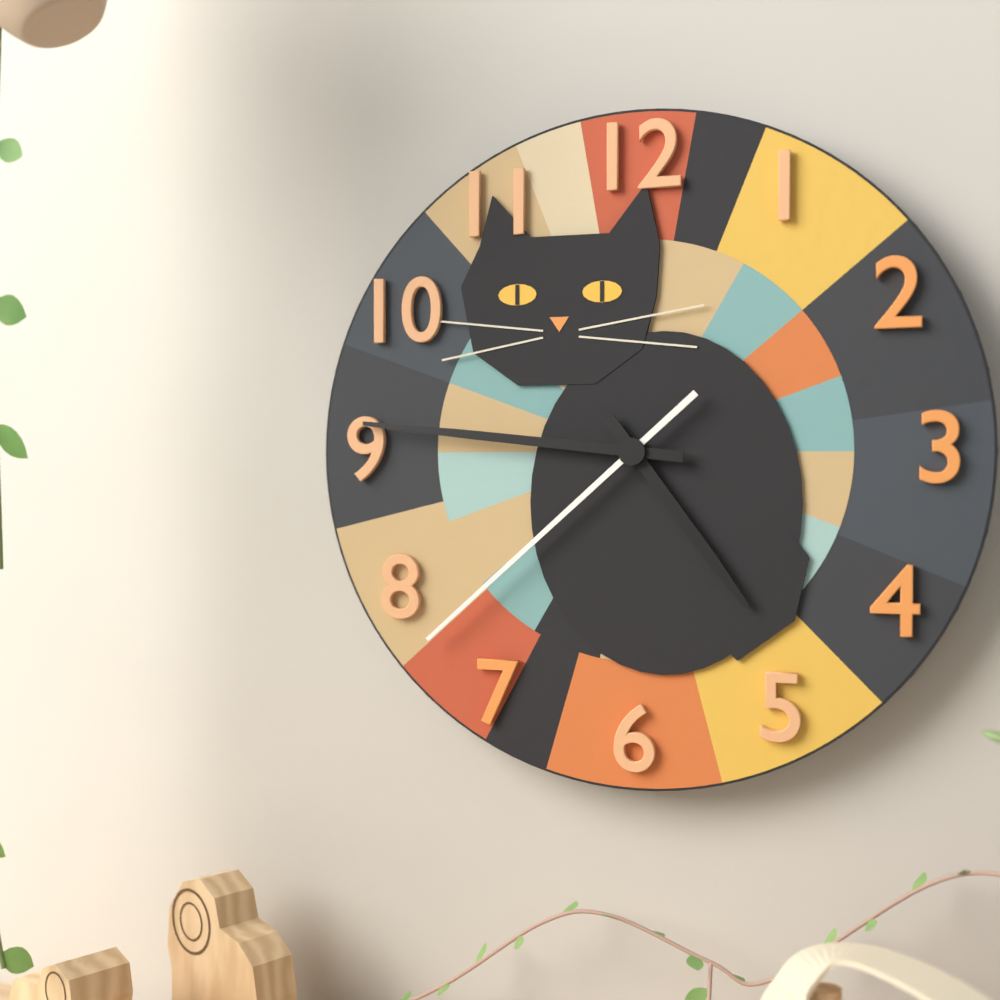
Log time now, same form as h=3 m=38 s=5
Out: h=4 m=46 s=38
